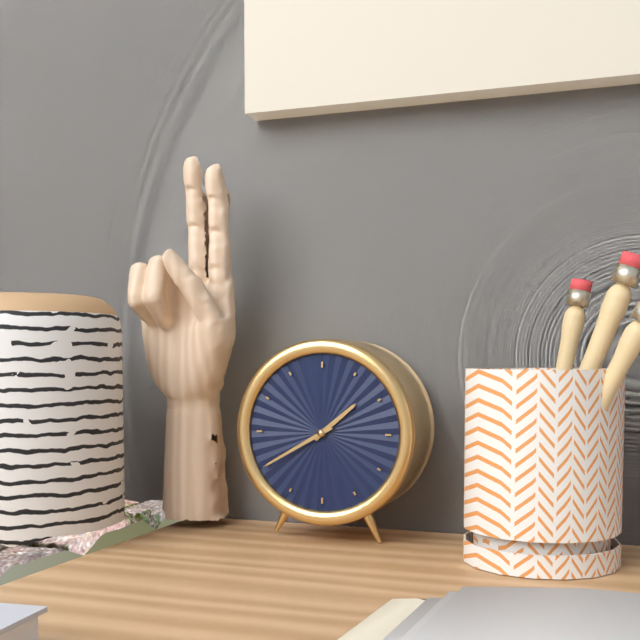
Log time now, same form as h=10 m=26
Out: h=1 m=40
